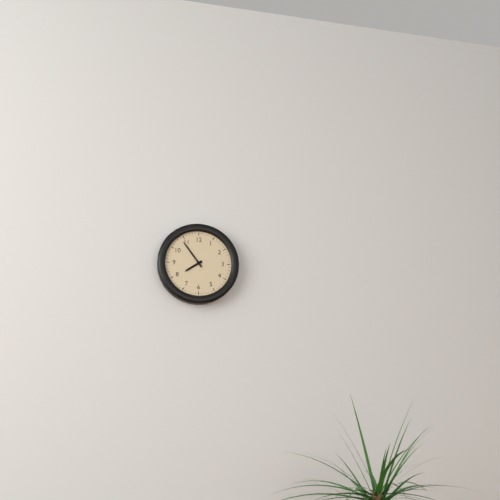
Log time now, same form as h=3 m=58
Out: h=7 m=54
